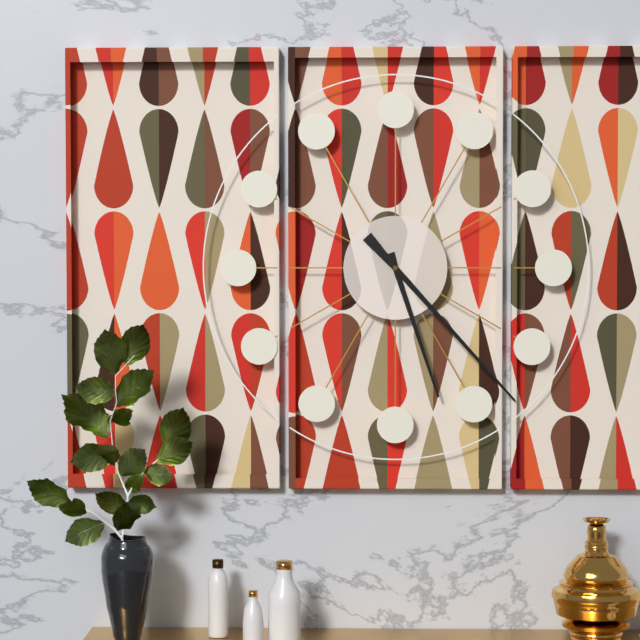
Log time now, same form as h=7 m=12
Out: h=5 m=23
